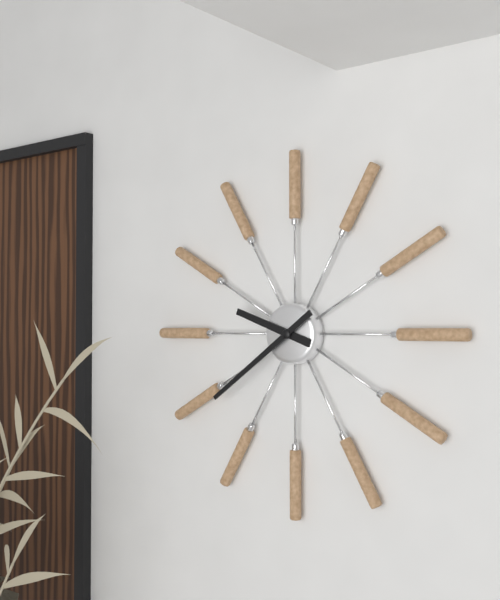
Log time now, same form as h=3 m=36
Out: h=9 m=39
